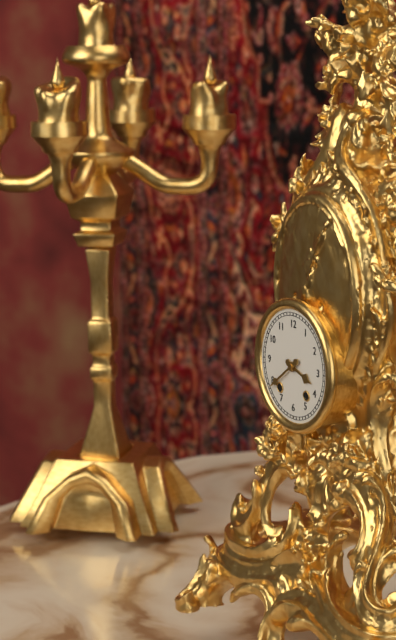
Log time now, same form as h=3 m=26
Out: h=3 m=39
